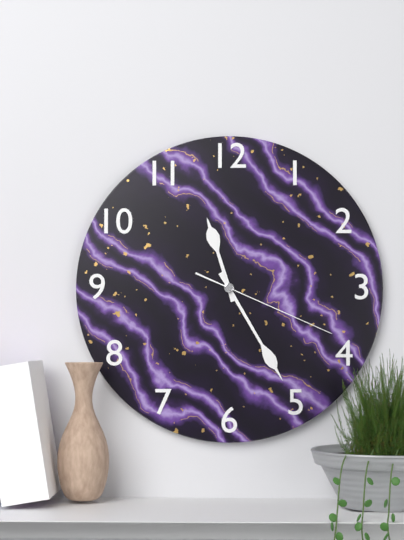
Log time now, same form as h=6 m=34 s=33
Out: h=11 m=25 s=19
